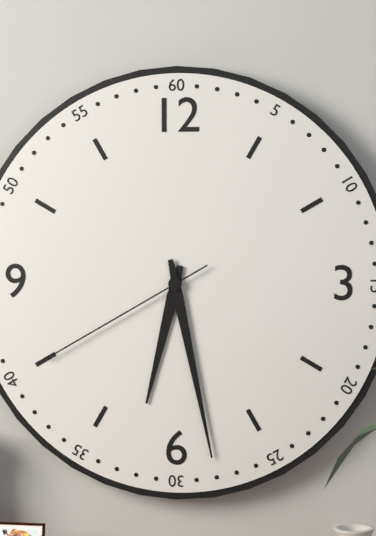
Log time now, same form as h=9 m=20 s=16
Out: h=6 m=28 s=40
